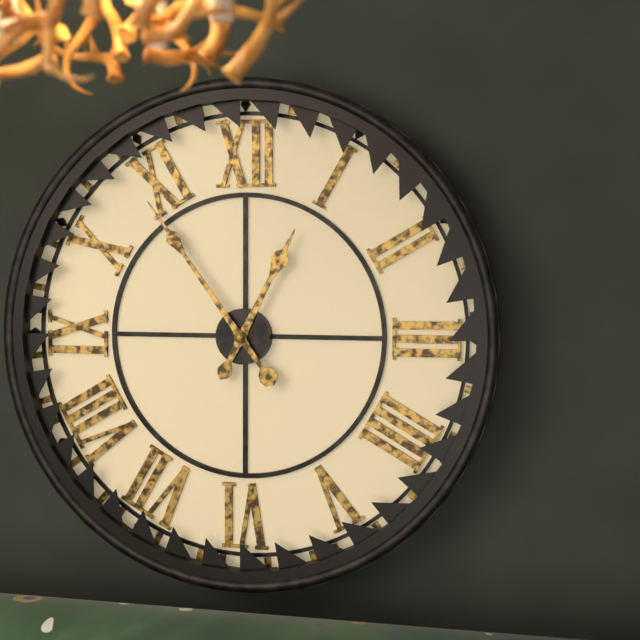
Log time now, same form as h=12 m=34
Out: h=12 m=54
